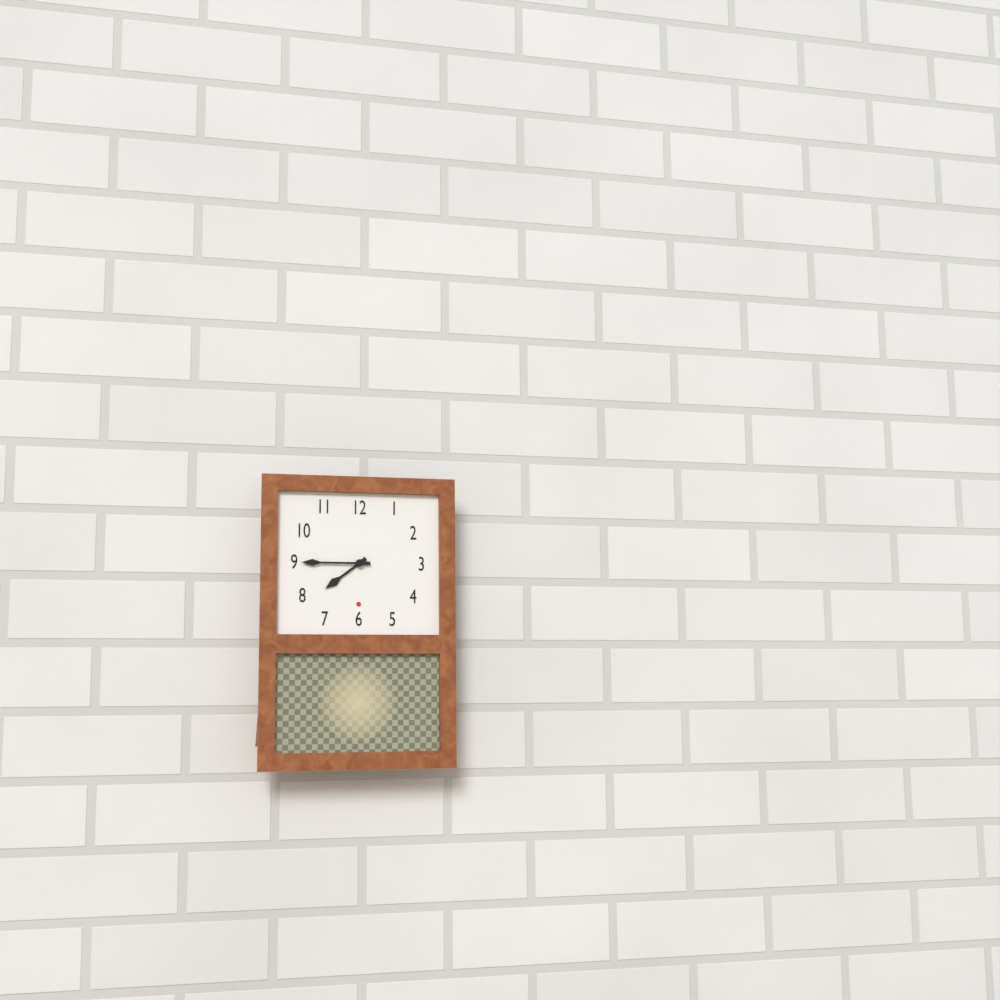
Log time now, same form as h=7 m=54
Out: h=7 m=45
